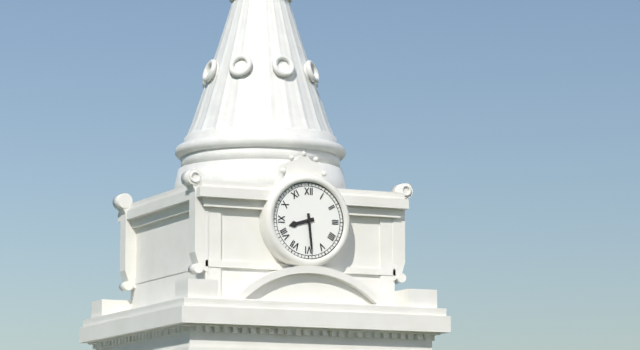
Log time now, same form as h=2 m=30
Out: h=8 m=29
